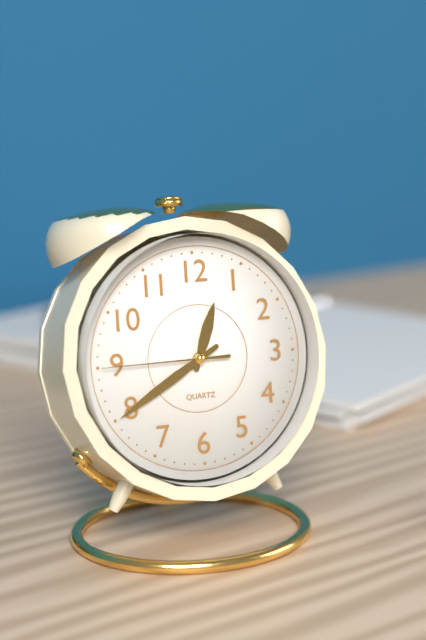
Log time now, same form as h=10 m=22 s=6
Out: h=12 m=40 s=45
